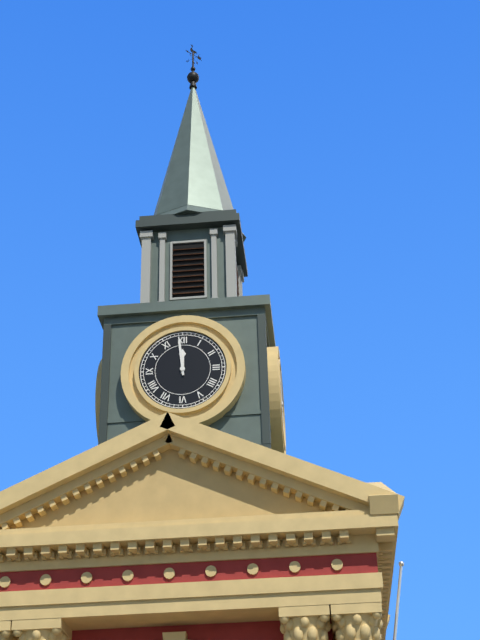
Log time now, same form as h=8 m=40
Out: h=11 m=59
